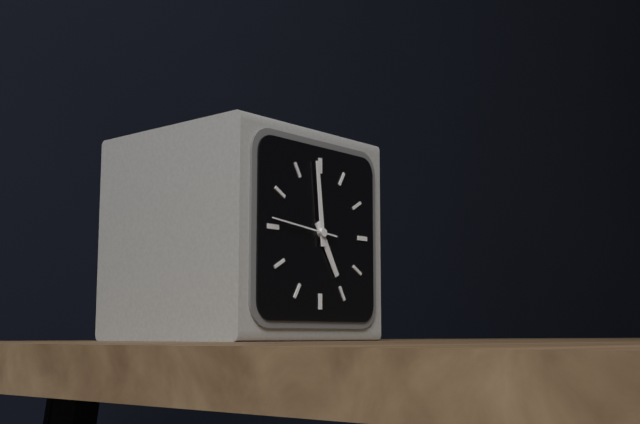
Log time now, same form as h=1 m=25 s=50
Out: h=4 m=59 s=46
